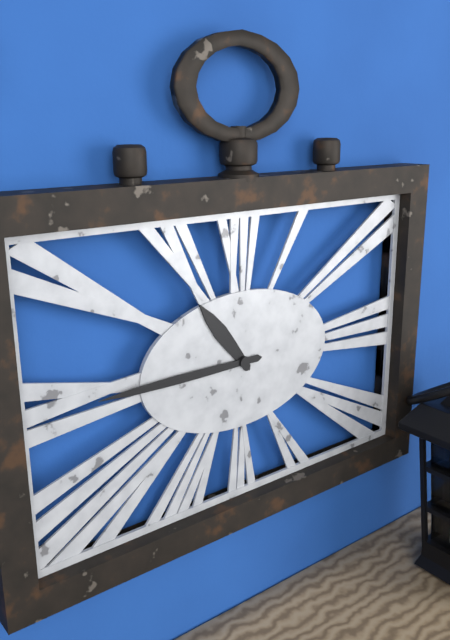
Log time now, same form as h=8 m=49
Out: h=10 m=45
